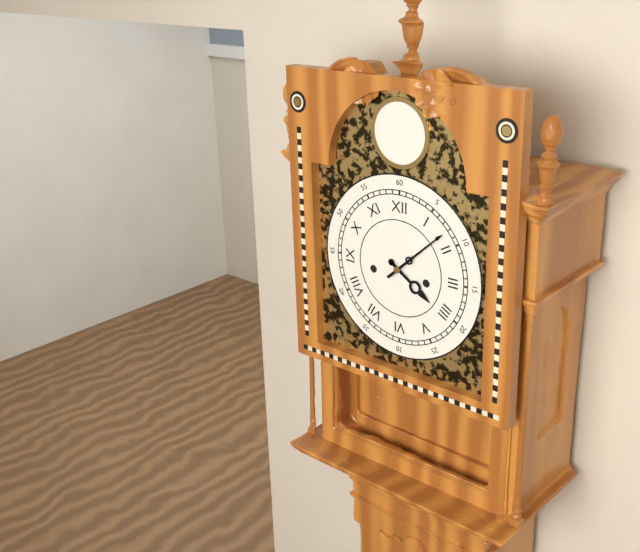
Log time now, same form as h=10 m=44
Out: h=4 m=8
